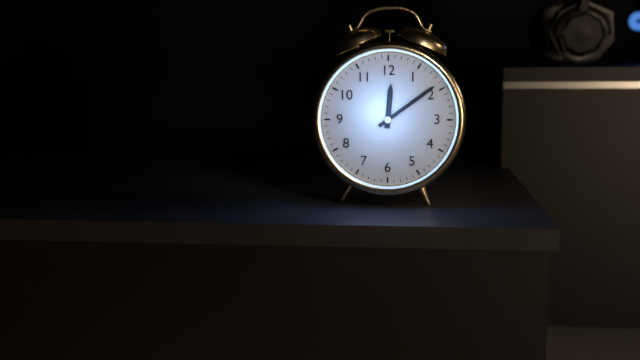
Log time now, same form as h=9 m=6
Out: h=12 m=9
